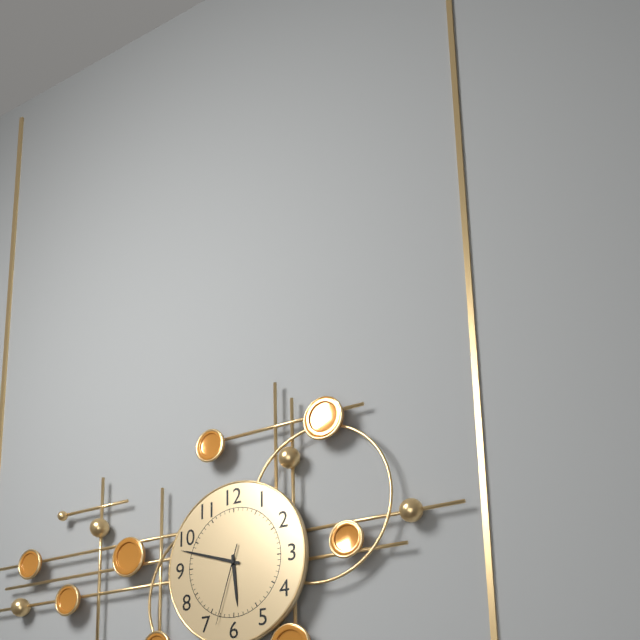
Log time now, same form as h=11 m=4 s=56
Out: h=5 m=48 s=33
